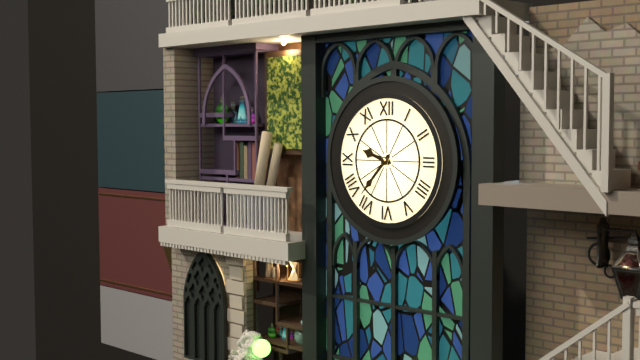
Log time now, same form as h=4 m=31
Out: h=9 m=37
